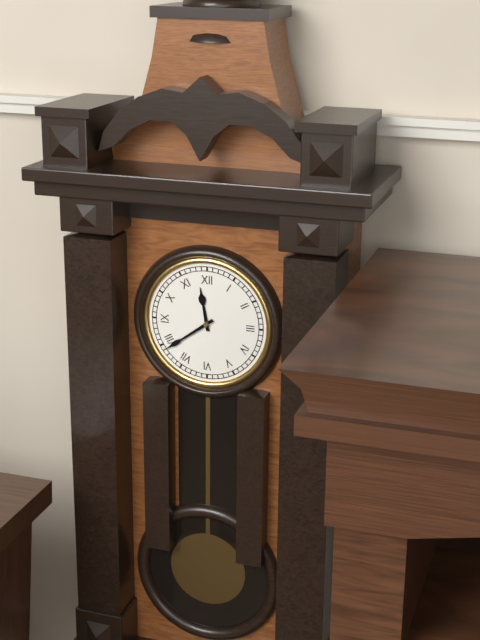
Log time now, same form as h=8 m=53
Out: h=11 m=39
